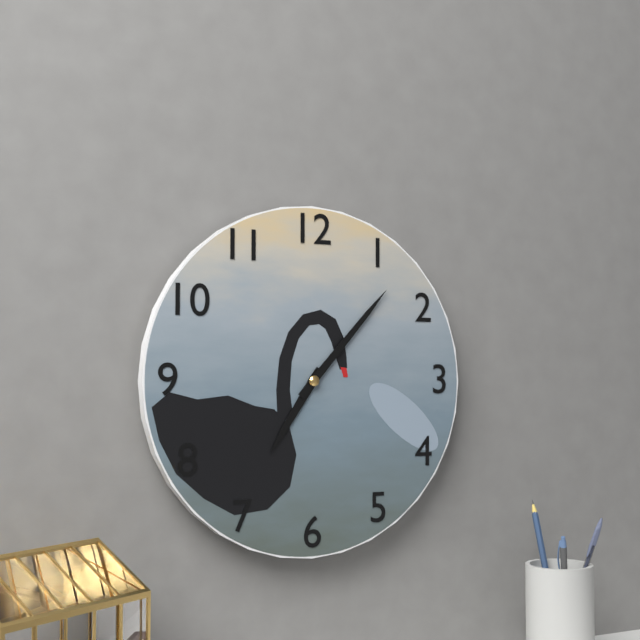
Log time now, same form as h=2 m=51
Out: h=7 m=7
